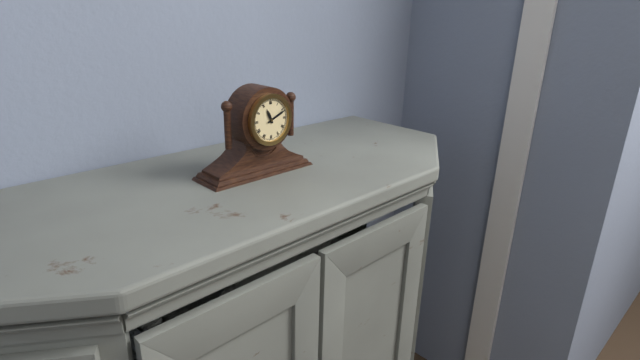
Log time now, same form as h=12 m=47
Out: h=11 m=11
